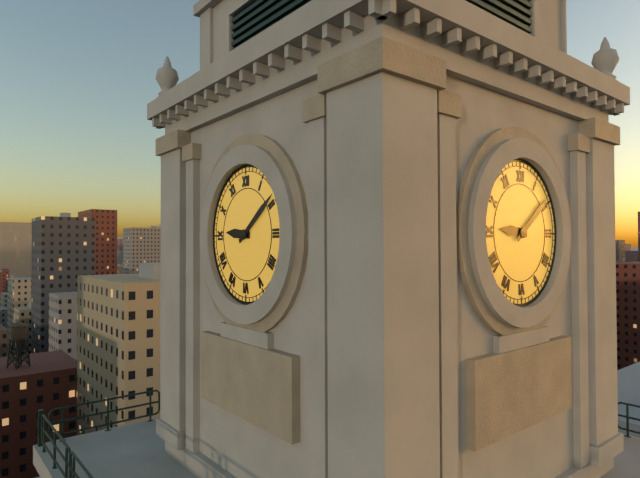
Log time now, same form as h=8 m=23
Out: h=9 m=9
